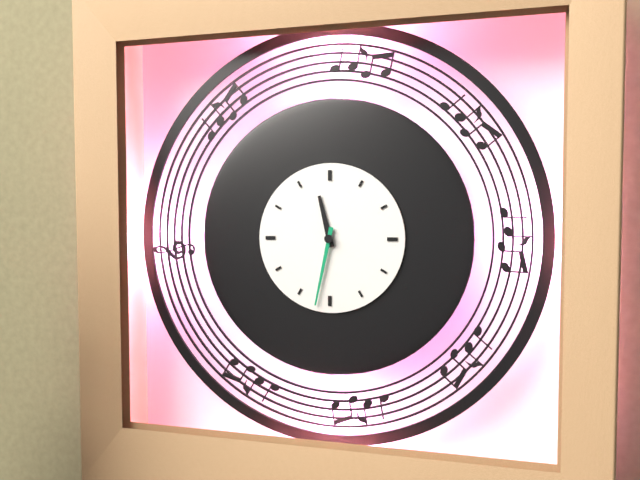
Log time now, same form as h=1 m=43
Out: h=11 m=32
